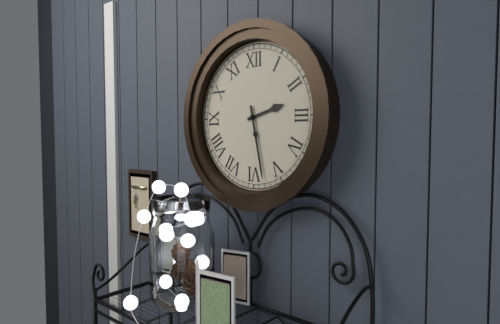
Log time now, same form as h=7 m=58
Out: h=2 m=28
